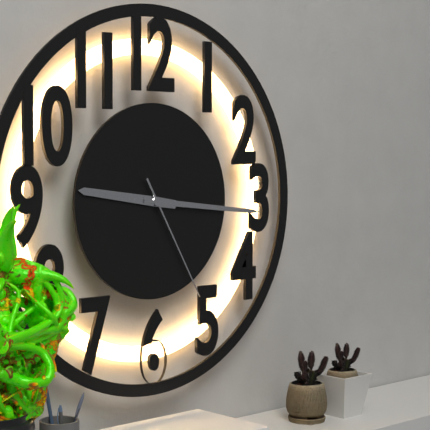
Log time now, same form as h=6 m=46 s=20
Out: h=9 m=16 s=25
